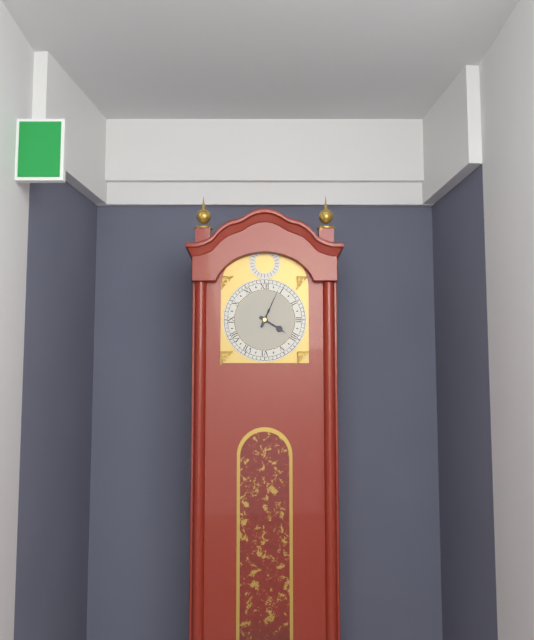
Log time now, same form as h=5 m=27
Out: h=4 m=4
